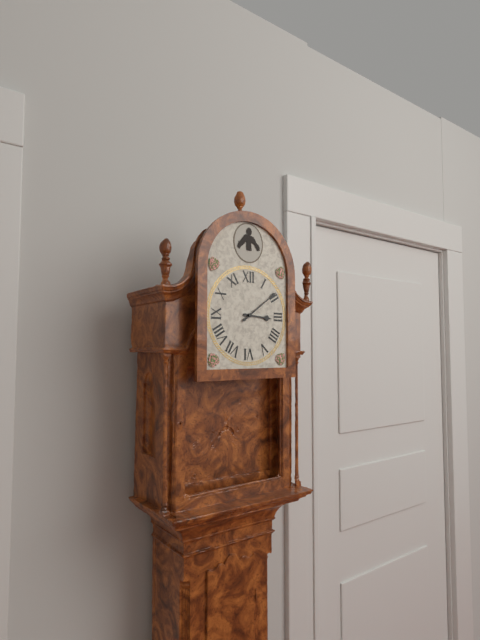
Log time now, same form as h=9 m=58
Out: h=3 m=9
